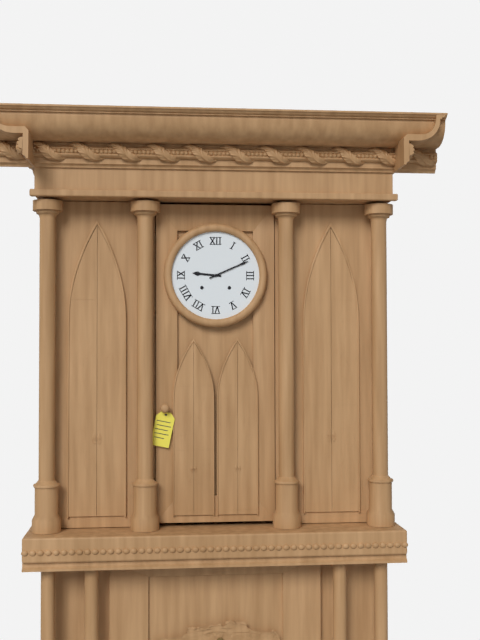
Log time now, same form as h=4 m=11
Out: h=9 m=11
